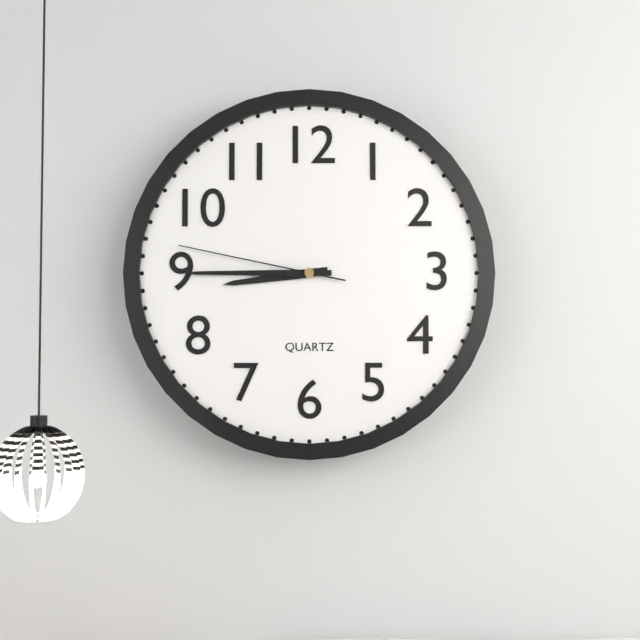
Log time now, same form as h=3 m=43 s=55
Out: h=8 m=45 s=47
